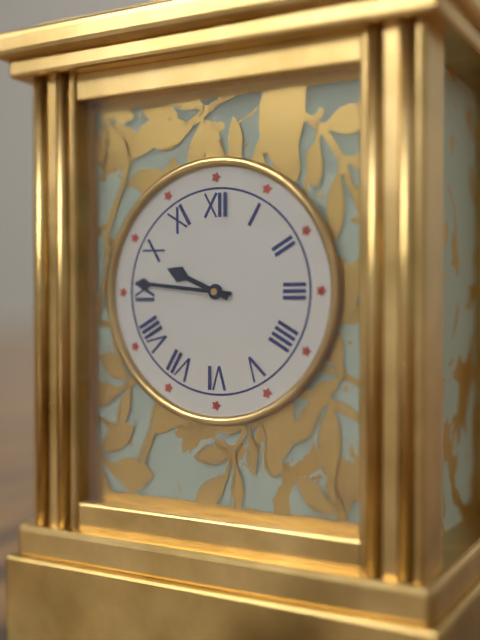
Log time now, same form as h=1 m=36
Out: h=9 m=46
